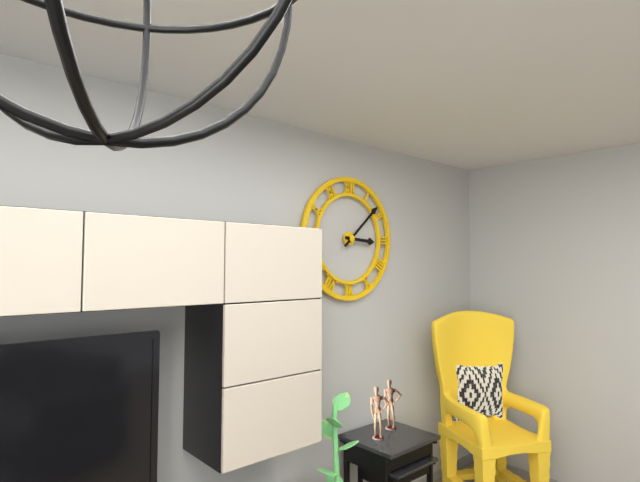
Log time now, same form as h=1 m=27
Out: h=3 m=8
